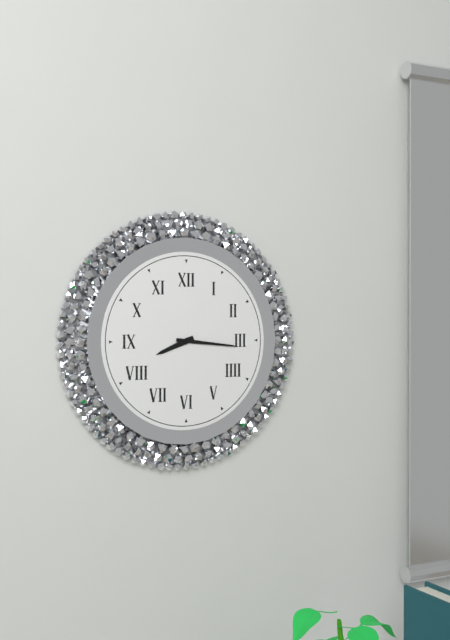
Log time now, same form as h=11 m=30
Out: h=8 m=16
